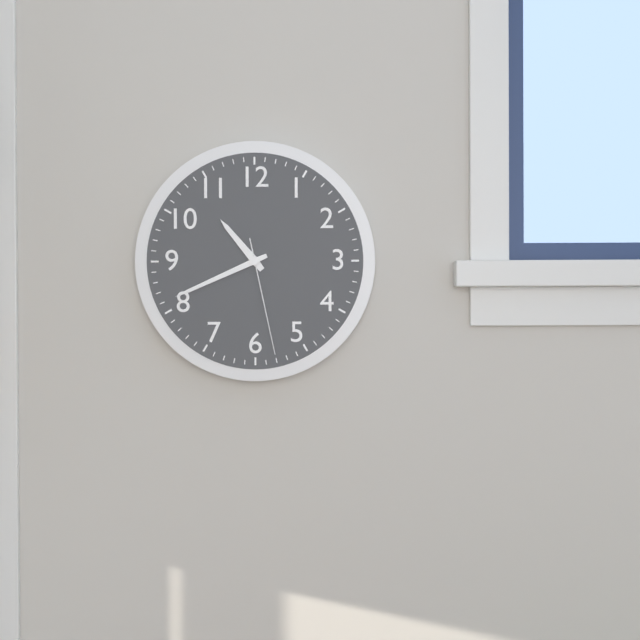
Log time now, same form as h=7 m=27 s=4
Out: h=10 m=41 s=28
